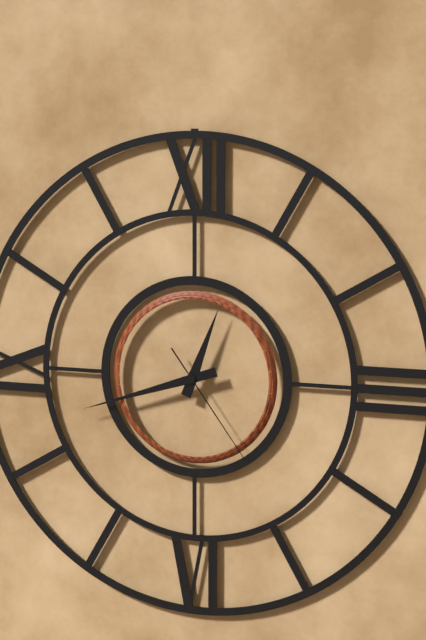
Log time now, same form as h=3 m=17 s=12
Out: h=12 m=42 s=24
